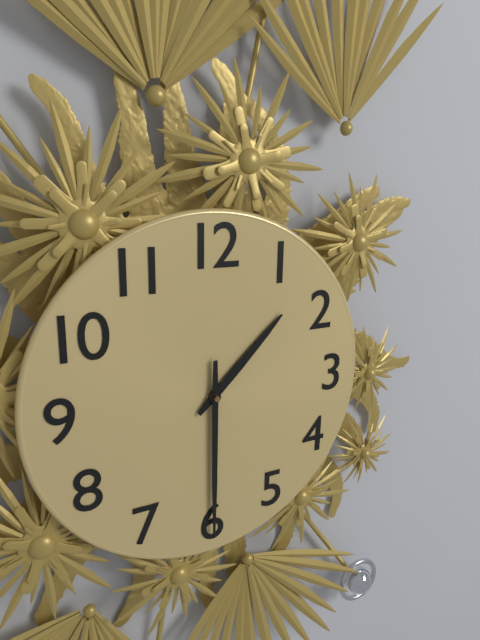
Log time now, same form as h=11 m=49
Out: h=1 m=30
